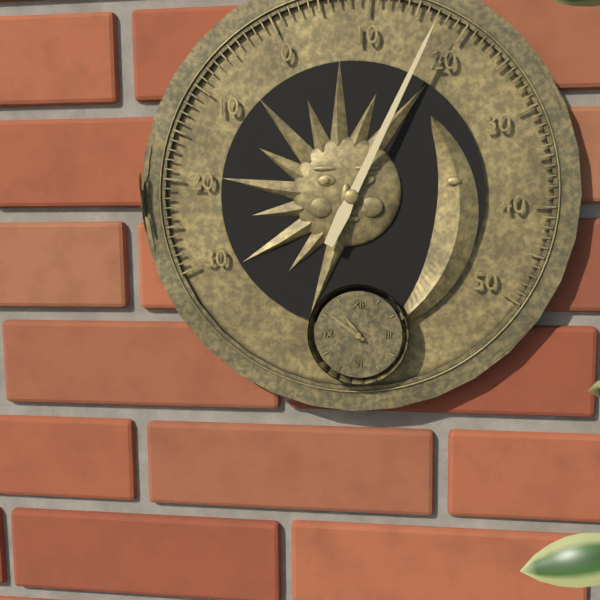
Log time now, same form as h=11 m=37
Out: h=10 m=51
